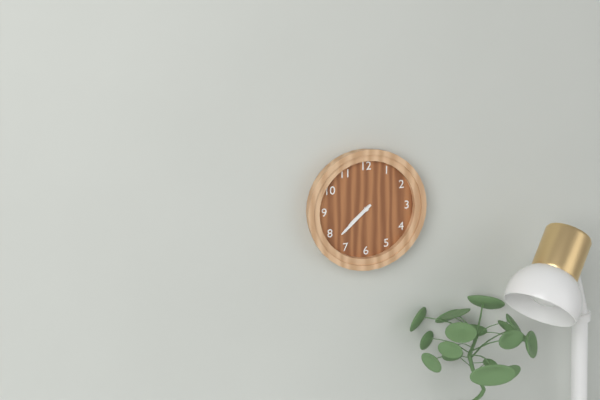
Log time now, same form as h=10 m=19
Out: h=7 m=38
